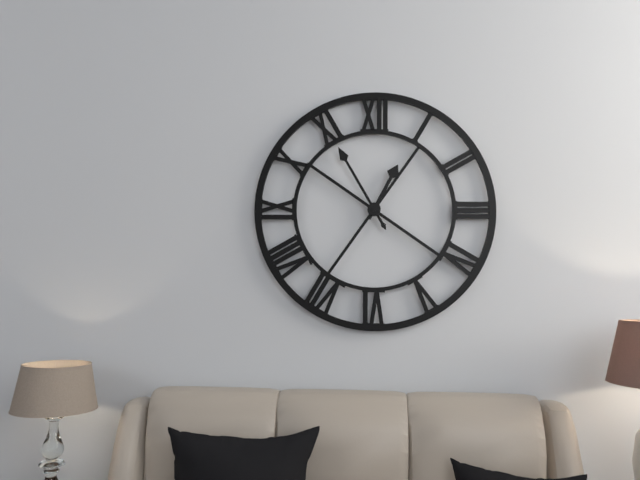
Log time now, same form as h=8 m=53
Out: h=12 m=55
